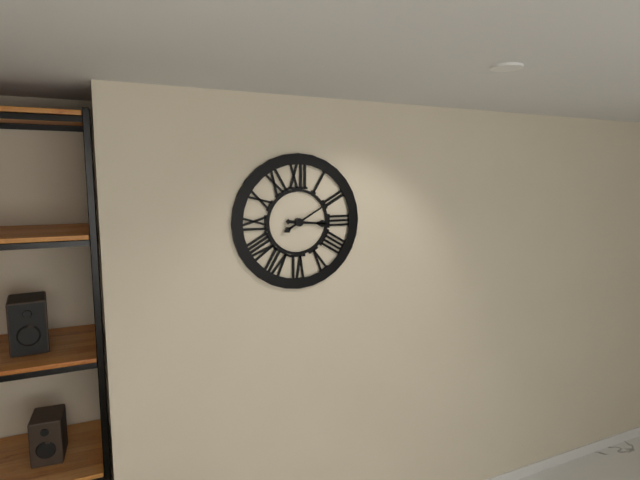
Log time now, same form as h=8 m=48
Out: h=3 m=10
